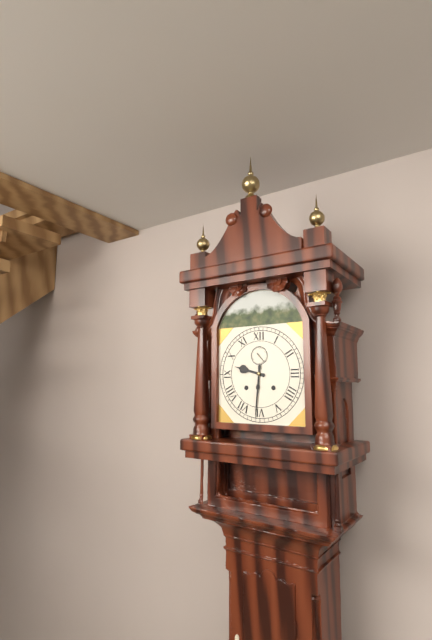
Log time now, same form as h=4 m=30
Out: h=9 m=31
